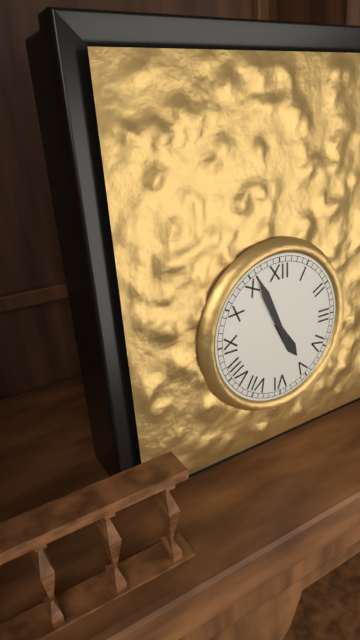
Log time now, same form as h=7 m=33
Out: h=4 m=56
